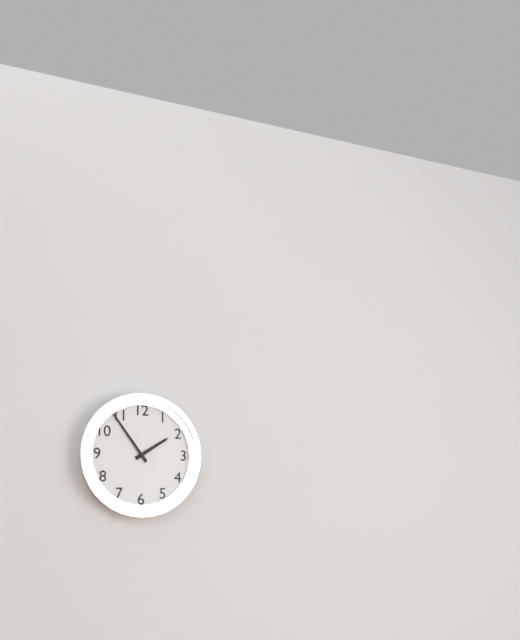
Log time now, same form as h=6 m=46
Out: h=1 m=54
